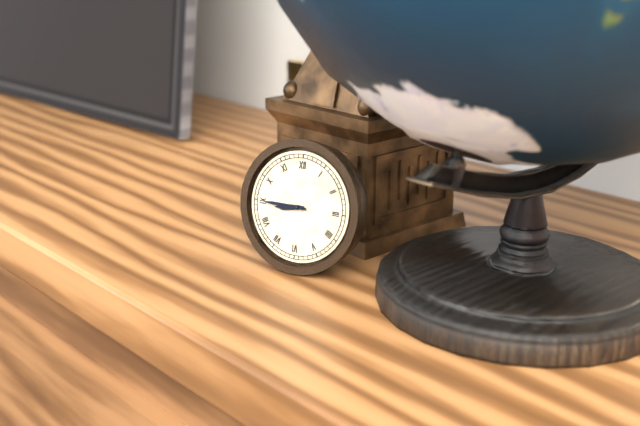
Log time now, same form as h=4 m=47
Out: h=8 m=45
